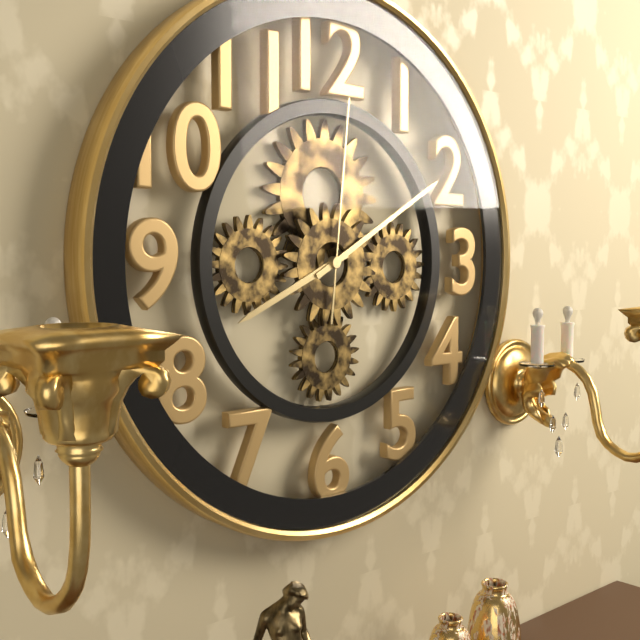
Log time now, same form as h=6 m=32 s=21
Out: h=8 m=10 s=1
